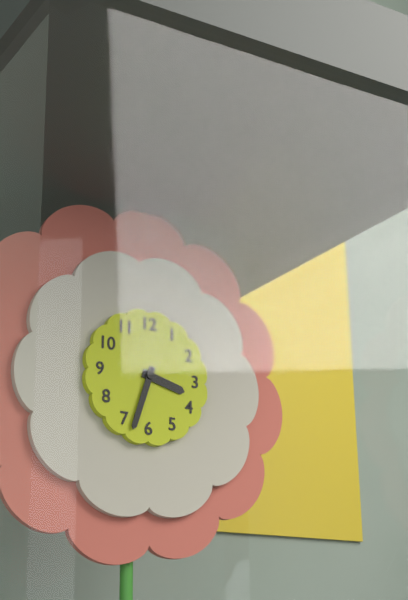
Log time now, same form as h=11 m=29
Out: h=3 m=33
